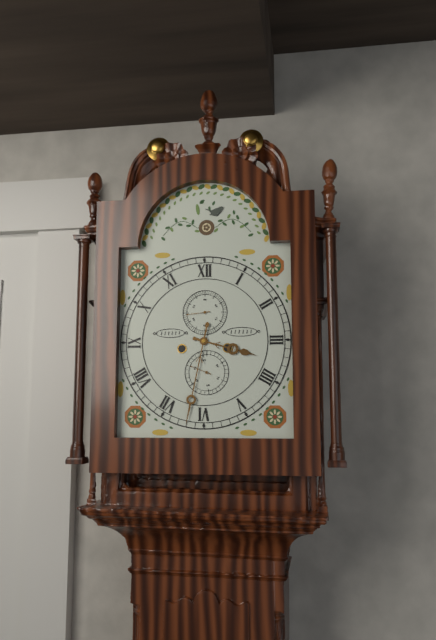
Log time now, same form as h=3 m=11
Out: h=3 m=32
